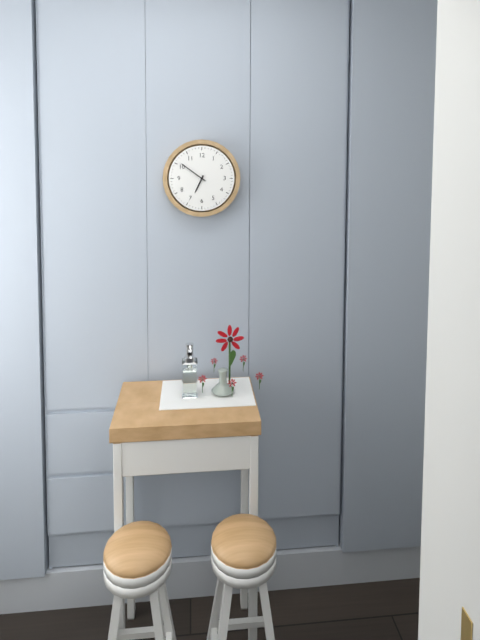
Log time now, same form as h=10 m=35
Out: h=6 m=51
